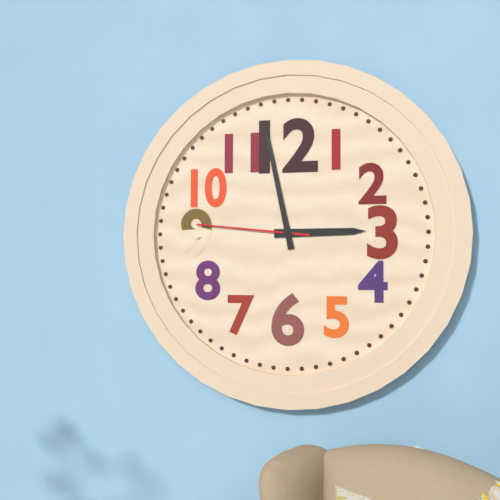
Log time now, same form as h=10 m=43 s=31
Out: h=2 m=58 s=46
